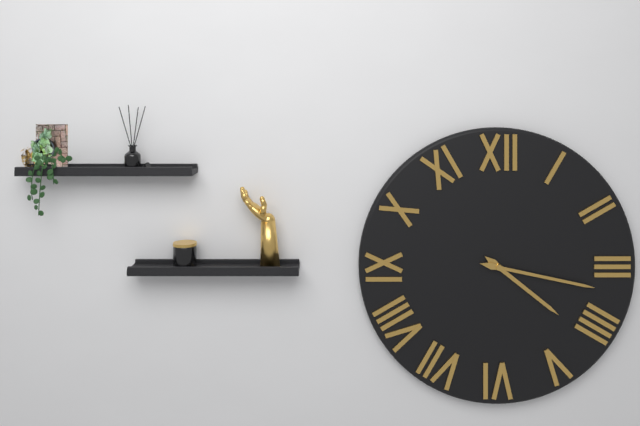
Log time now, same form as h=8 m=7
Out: h=4 m=17
